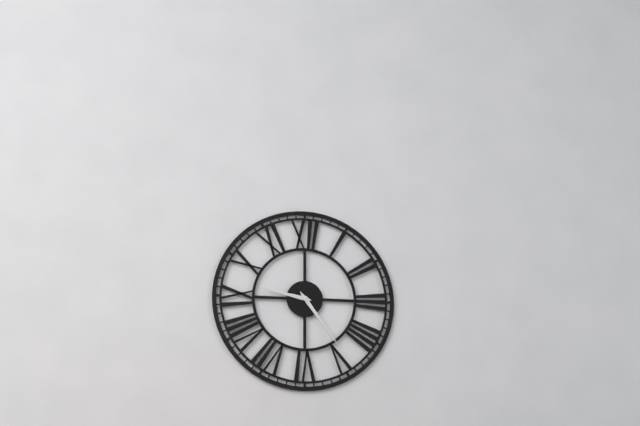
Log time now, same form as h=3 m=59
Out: h=9 m=24
